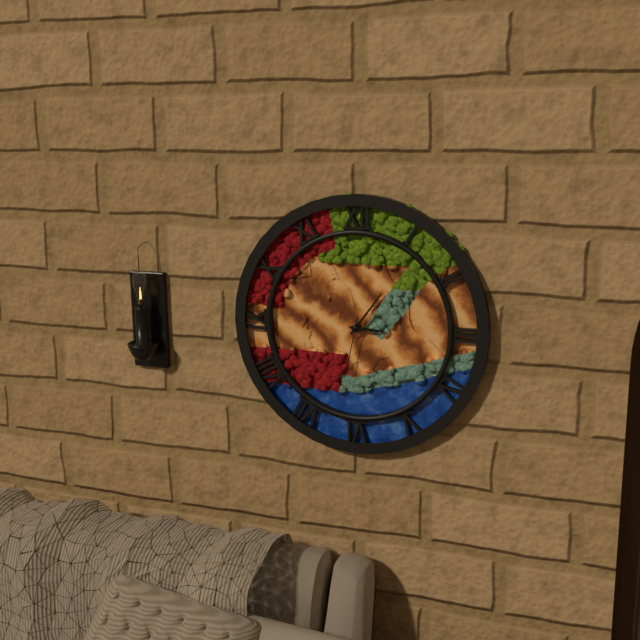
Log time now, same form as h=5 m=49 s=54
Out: h=3 m=6 s=32
